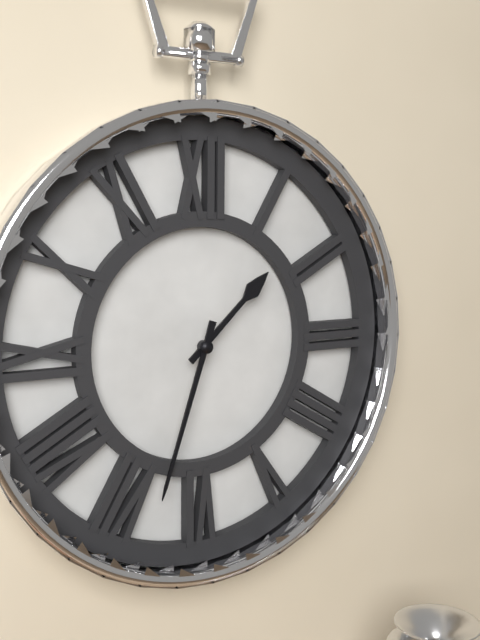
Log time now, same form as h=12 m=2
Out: h=1 m=33
